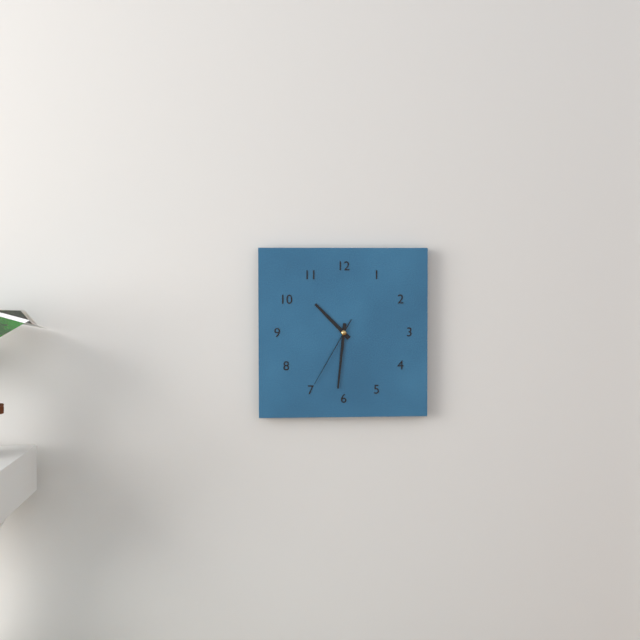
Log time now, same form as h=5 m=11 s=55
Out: h=10 m=31 s=35
